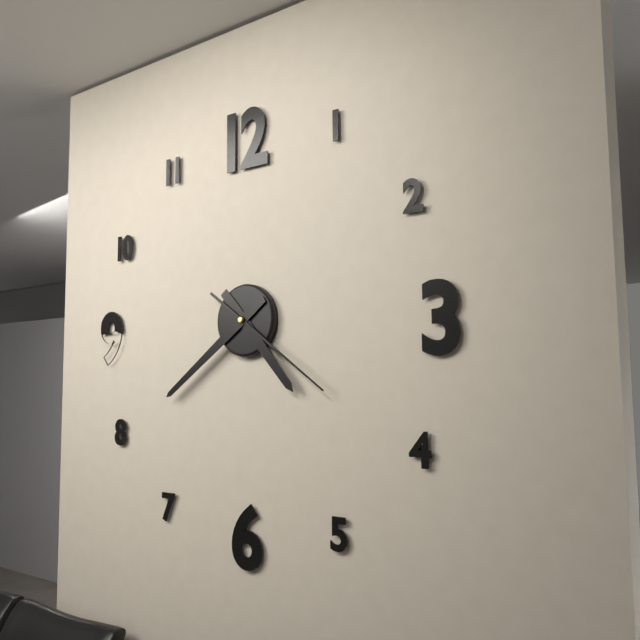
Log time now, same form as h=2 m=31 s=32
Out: h=4 m=39 s=21
